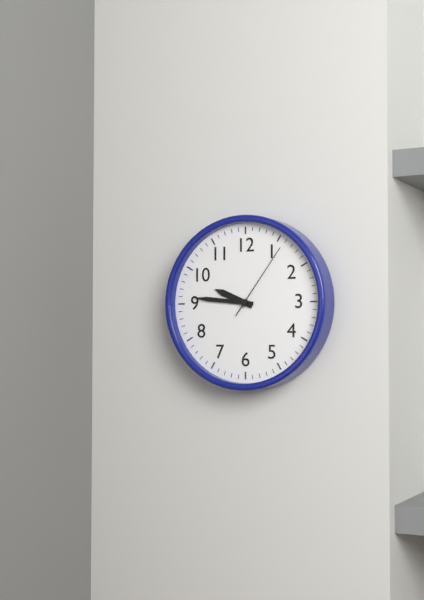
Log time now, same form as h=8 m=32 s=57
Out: h=9 m=46 s=6
